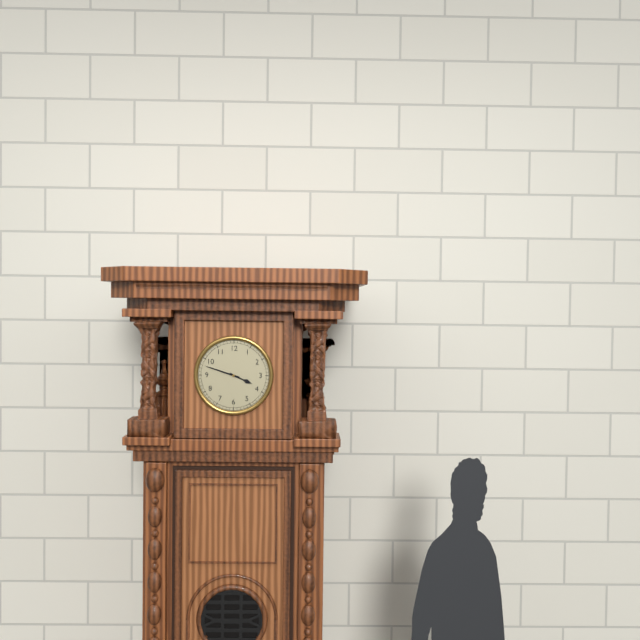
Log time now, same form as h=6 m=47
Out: h=3 m=48
